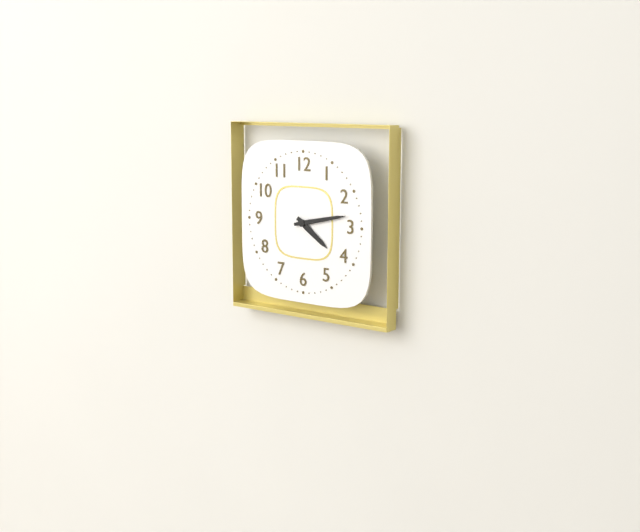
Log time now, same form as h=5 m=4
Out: h=4 m=13
